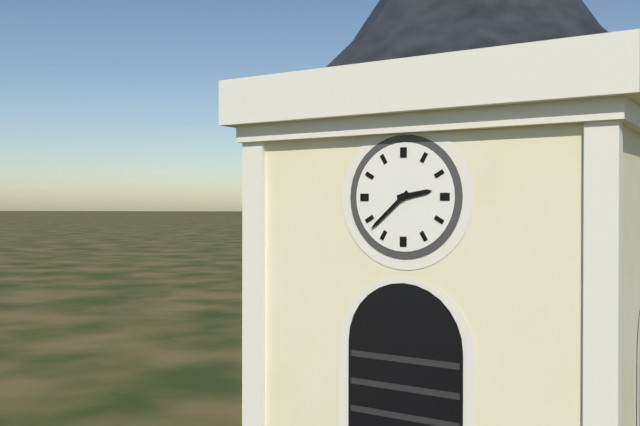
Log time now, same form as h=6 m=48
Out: h=2 m=38
